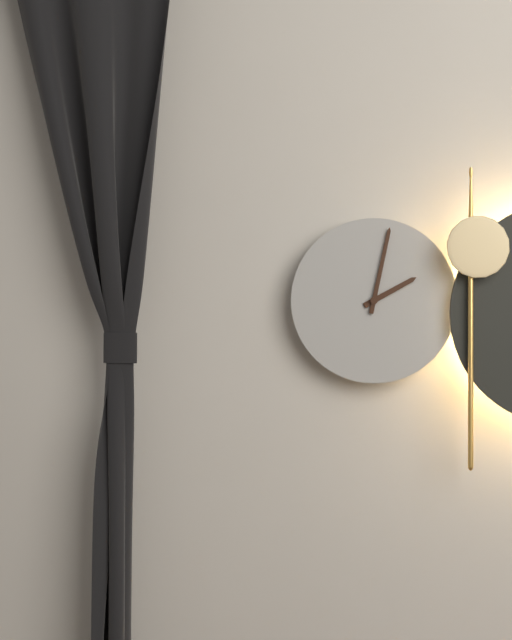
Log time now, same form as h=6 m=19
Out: h=2 m=2
